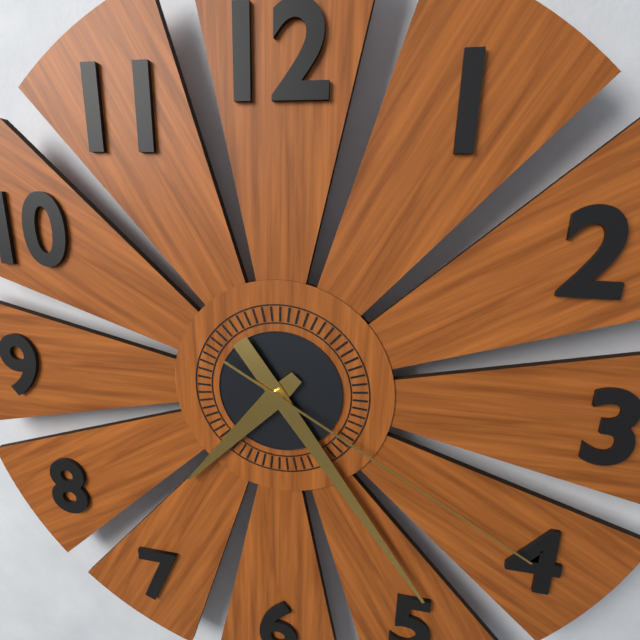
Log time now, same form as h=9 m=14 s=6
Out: h=7 m=24 s=20
